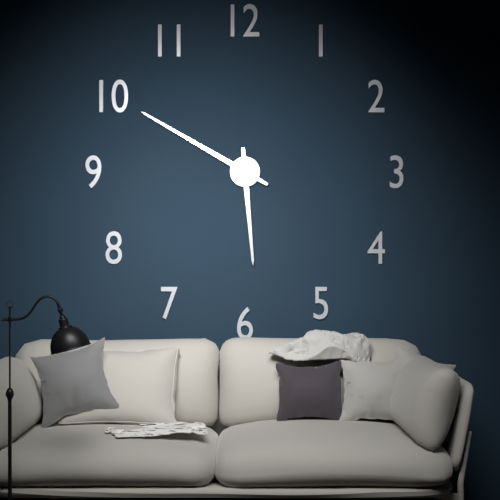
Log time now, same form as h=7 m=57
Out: h=5 m=50
